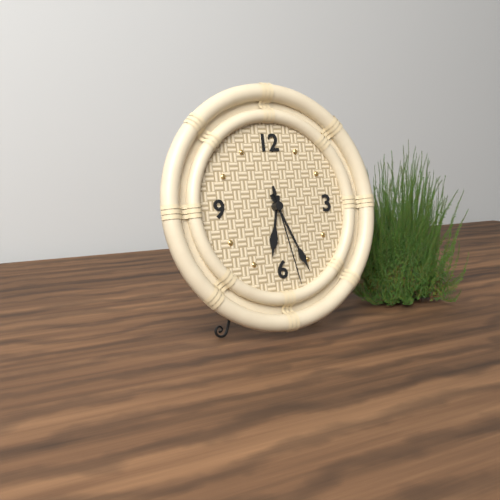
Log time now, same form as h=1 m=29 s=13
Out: h=6 m=26 s=28
